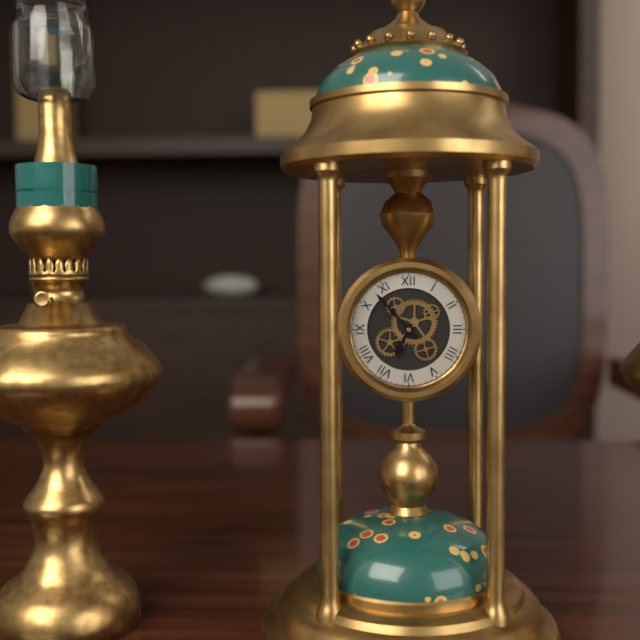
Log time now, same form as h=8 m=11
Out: h=6 m=53
